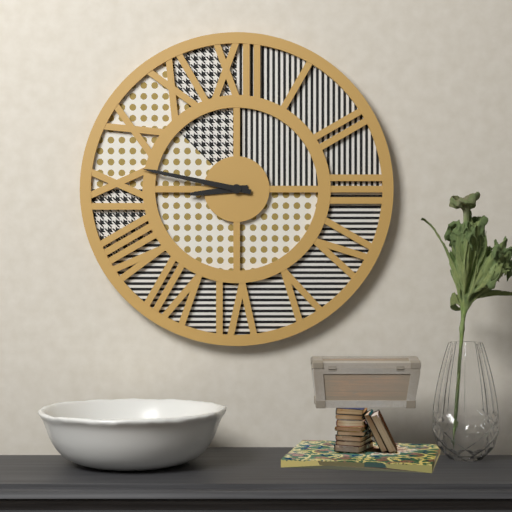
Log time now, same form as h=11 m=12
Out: h=8 m=47
